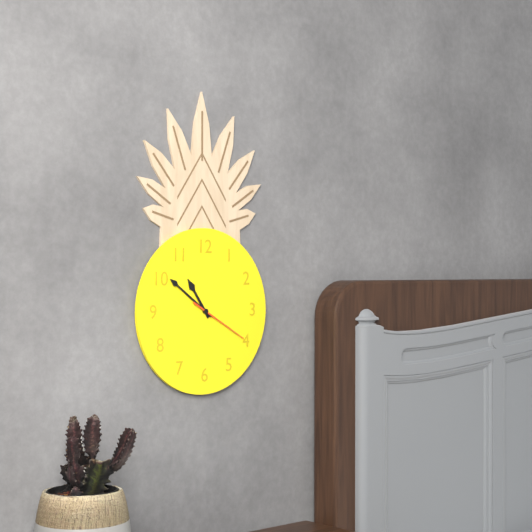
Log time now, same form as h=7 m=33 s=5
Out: h=10 m=51 s=20
